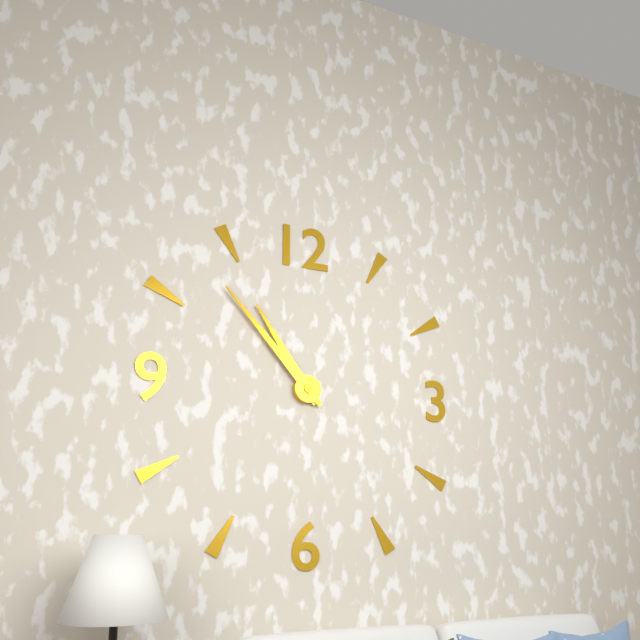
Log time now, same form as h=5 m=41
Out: h=10 m=53
